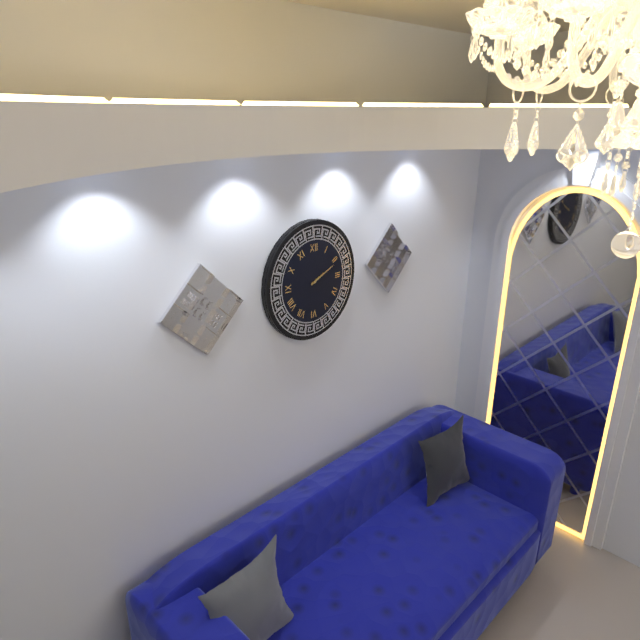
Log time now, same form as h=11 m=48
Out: h=2 m=11
